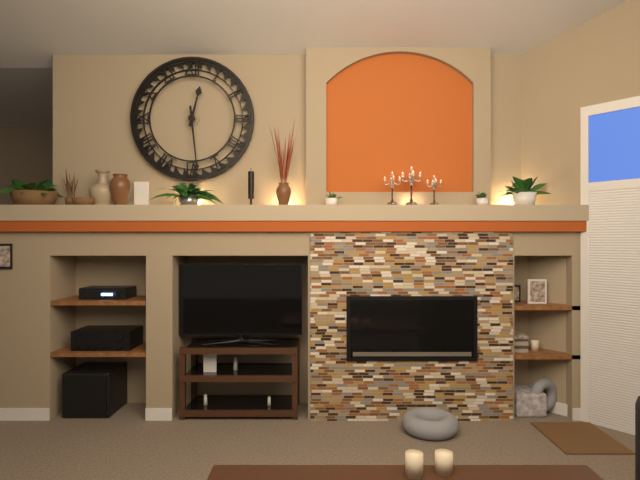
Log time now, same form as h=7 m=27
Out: h=12 m=29
